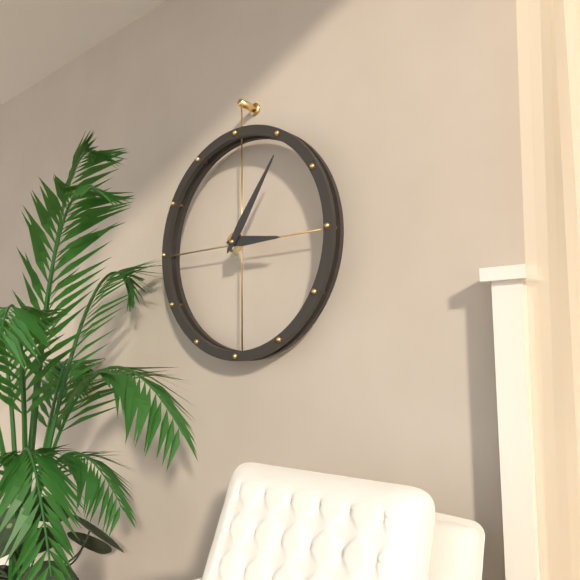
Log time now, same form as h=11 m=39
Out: h=3 m=6
